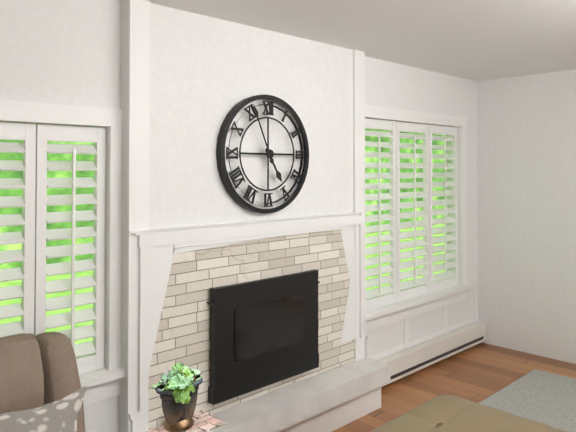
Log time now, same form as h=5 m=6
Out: h=4 m=56
